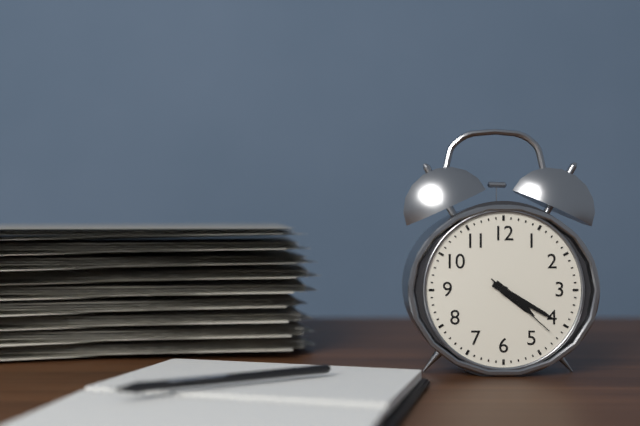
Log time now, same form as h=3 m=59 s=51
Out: h=4 m=20 s=22
